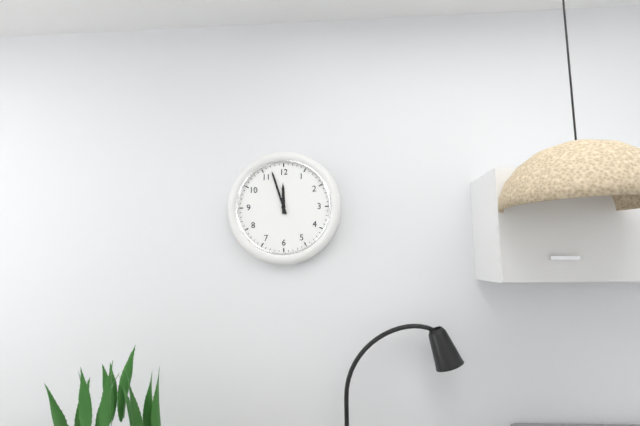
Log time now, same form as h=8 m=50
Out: h=11 m=57
